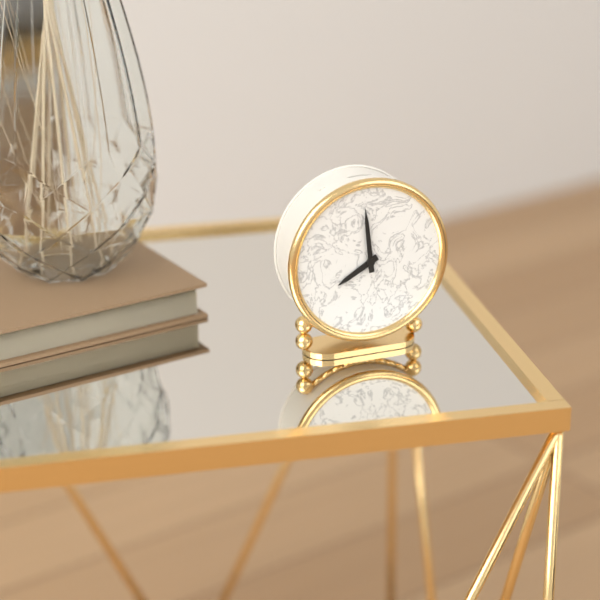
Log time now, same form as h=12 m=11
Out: h=7 m=59
